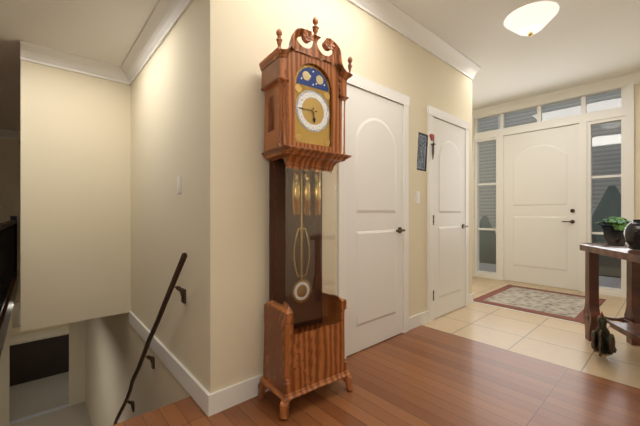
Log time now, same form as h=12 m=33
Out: h=5 m=45
